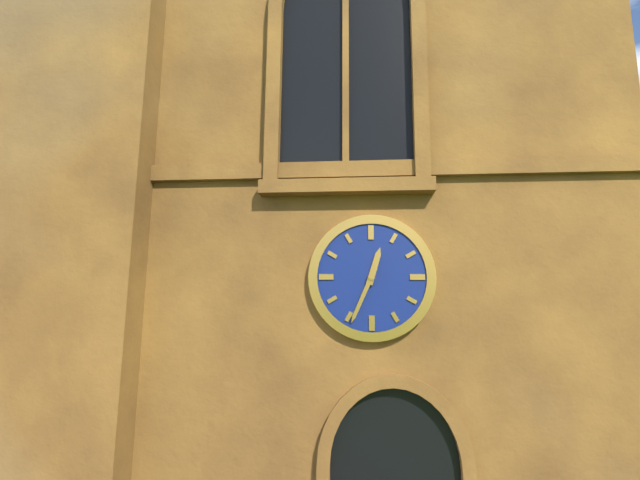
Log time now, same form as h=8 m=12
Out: h=12 m=34
